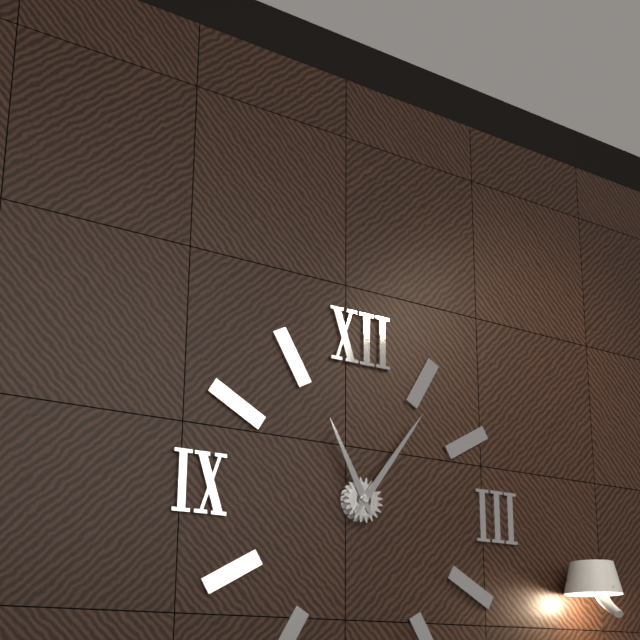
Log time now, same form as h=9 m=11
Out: h=11 m=6
